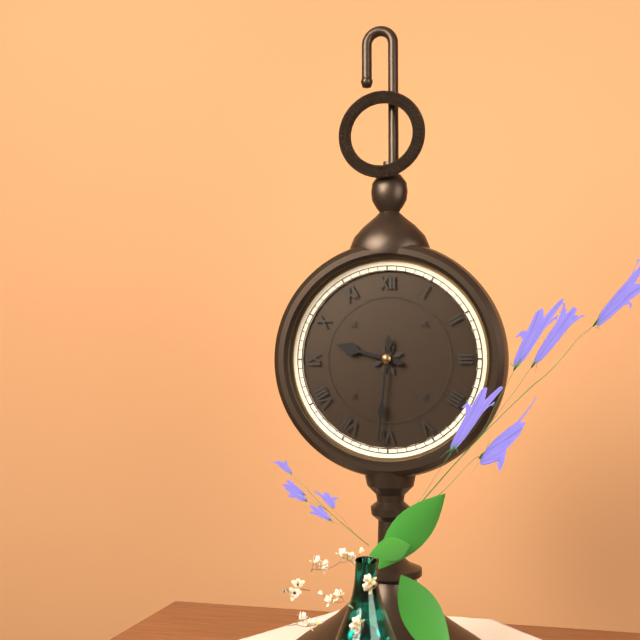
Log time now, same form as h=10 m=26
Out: h=9 m=31
